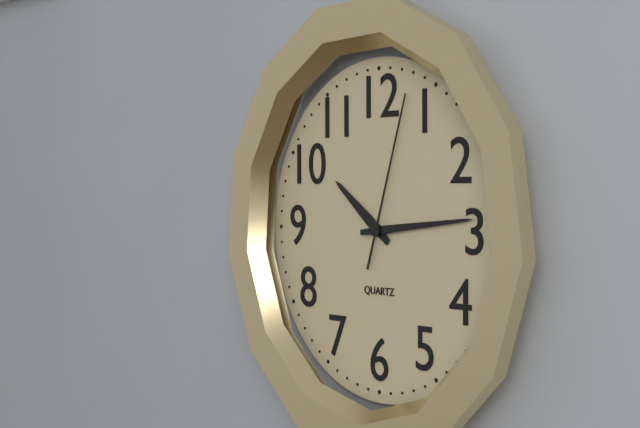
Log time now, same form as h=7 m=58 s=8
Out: h=10 m=14 s=3
